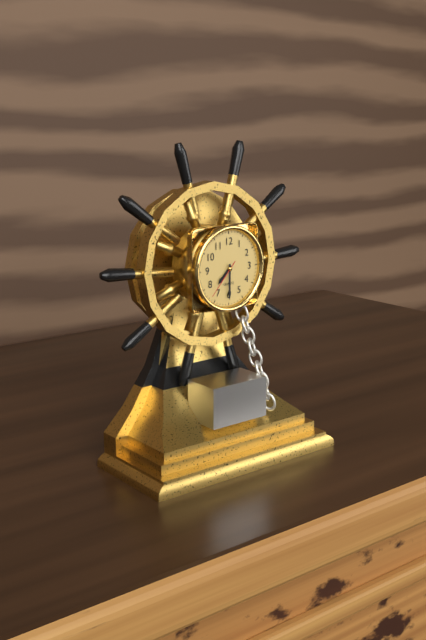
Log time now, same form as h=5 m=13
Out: h=7 m=30
